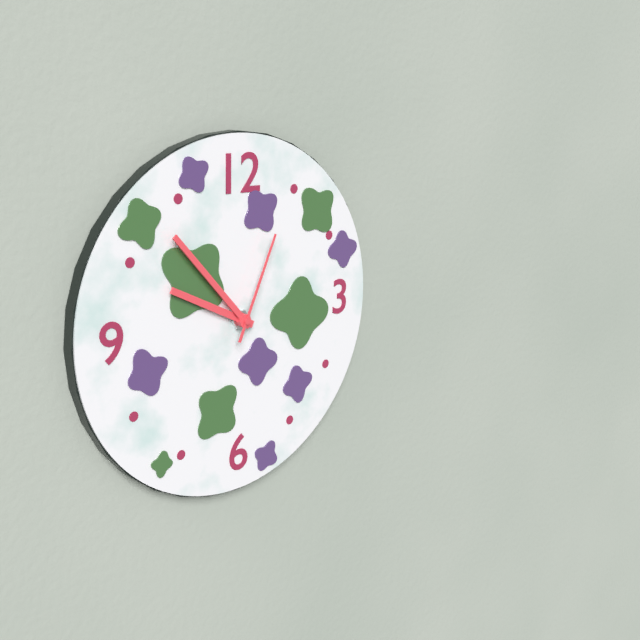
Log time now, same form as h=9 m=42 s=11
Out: h=9 m=53 s=4
